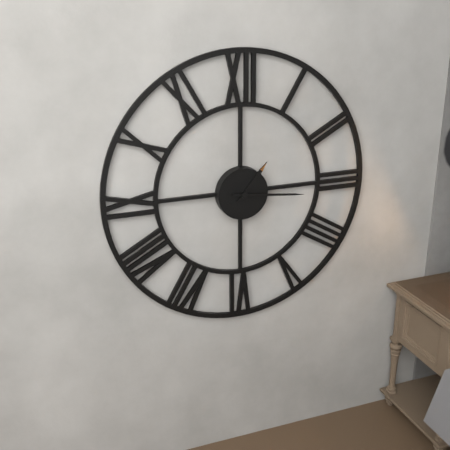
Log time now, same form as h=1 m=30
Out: h=1 m=16
